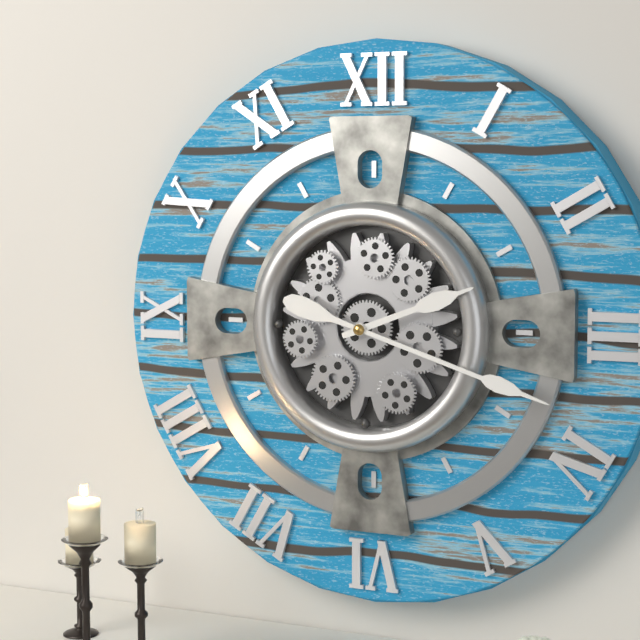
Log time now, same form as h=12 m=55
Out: h=2 m=18
